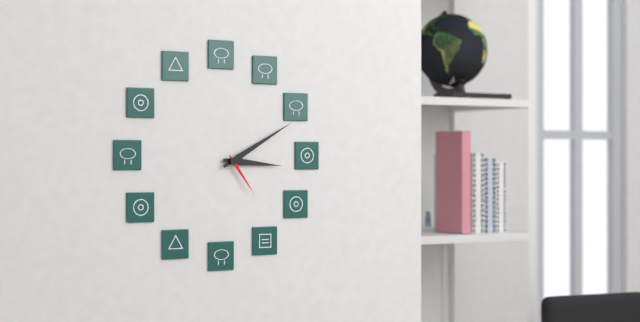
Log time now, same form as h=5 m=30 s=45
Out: h=3 m=10 s=24
